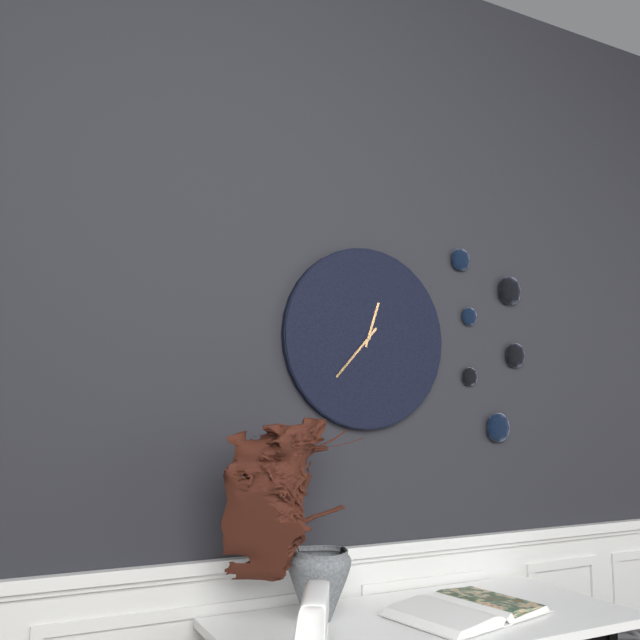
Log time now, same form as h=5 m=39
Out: h=12 m=37
